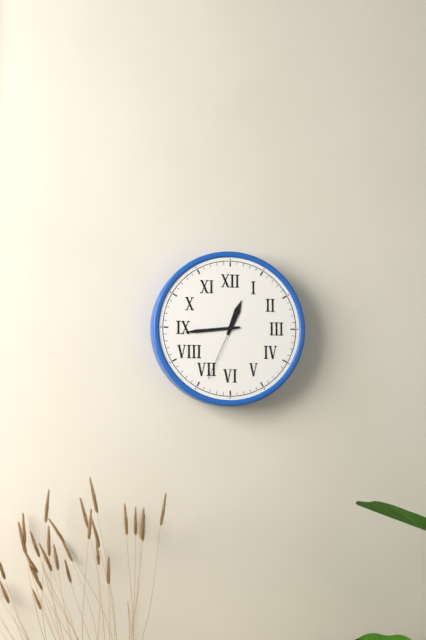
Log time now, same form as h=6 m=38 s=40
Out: h=12 m=44 s=34
